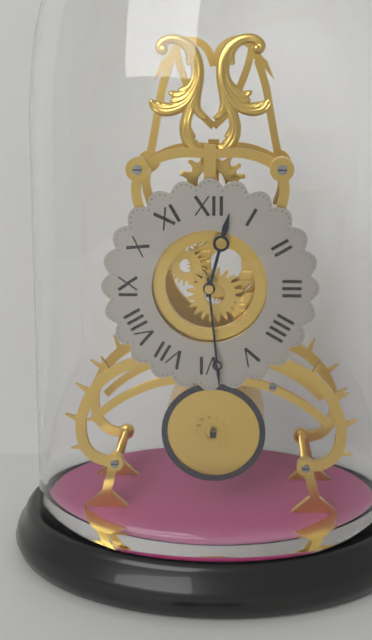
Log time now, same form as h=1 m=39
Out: h=12 m=29
